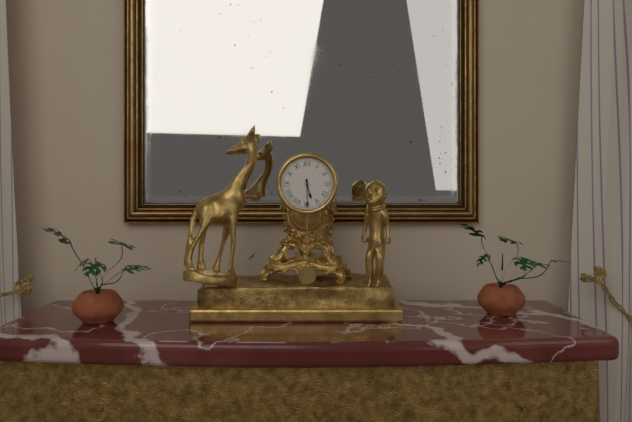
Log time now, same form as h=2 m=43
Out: h=5 m=30
